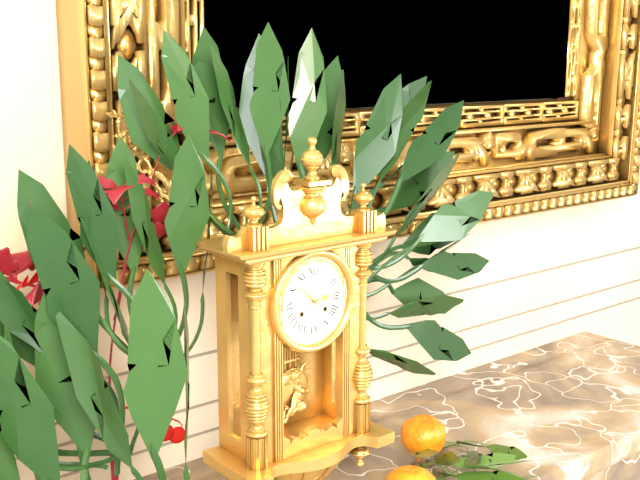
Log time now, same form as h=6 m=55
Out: h=2 m=52
